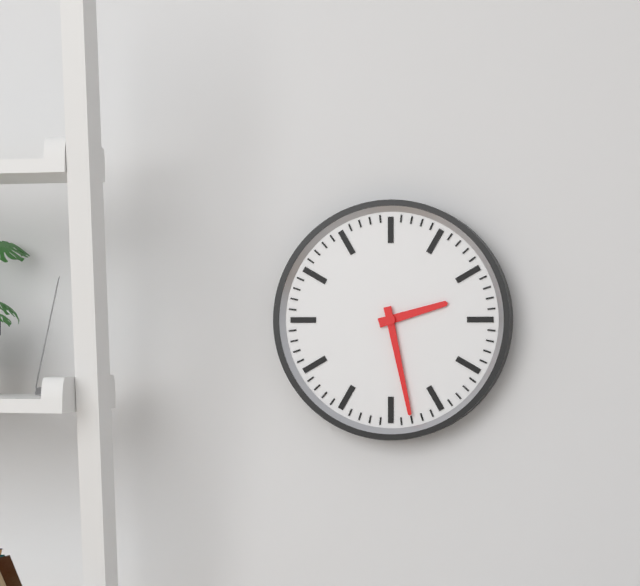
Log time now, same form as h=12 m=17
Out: h=2 m=28
